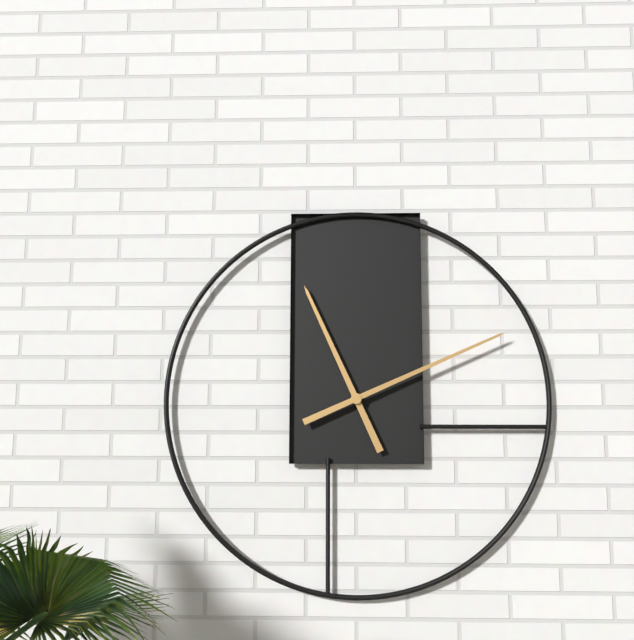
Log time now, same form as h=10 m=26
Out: h=11 m=11
